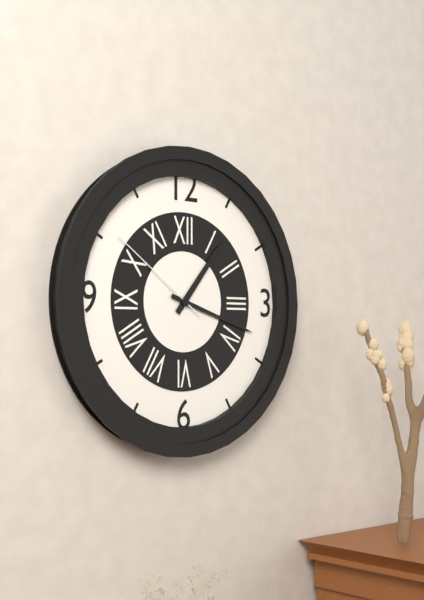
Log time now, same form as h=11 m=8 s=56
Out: h=1 m=18 s=51
